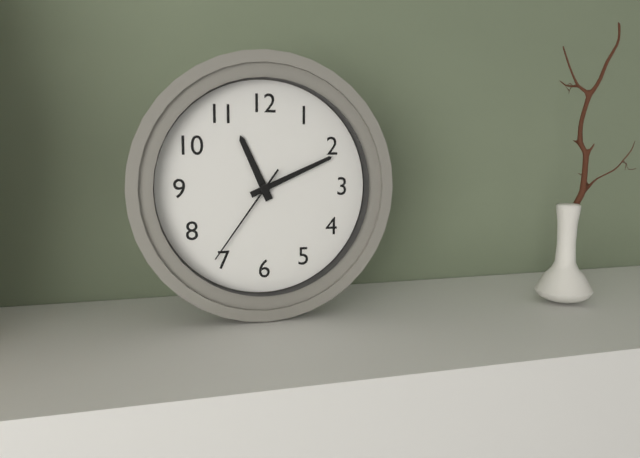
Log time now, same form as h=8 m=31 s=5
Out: h=11 m=11 s=36
